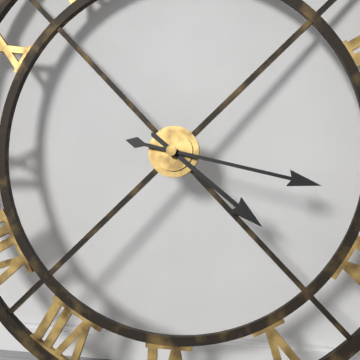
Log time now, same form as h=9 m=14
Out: h=4 m=17
